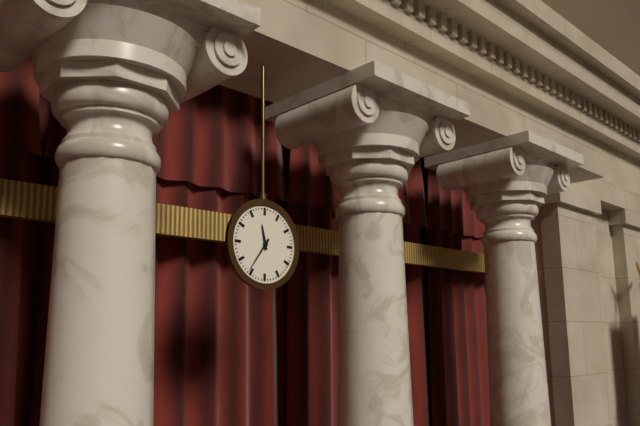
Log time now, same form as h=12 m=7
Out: h=11 m=36
